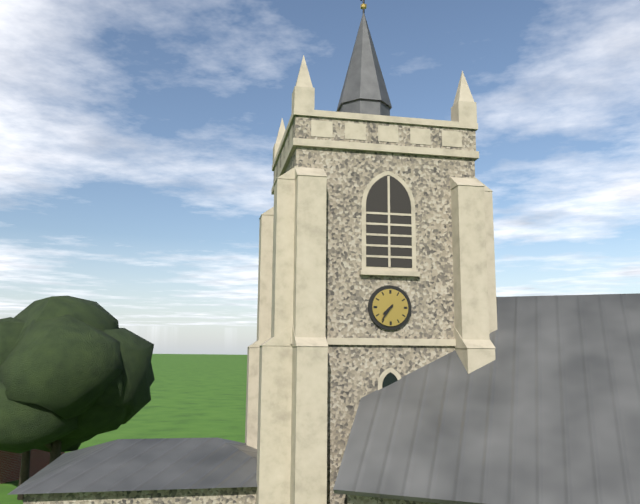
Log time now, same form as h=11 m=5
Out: h=7 m=36
